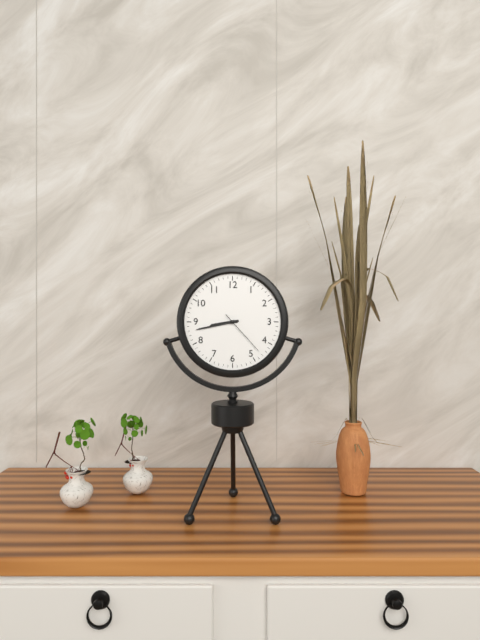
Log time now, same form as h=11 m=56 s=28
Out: h=8 m=43 s=23
